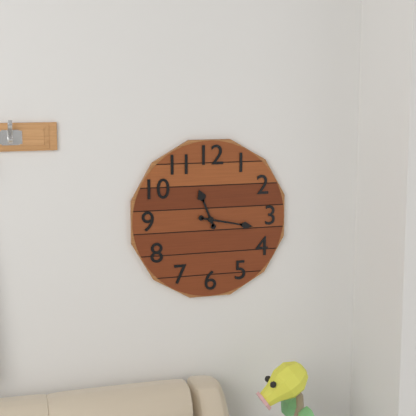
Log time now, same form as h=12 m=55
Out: h=11 m=17
